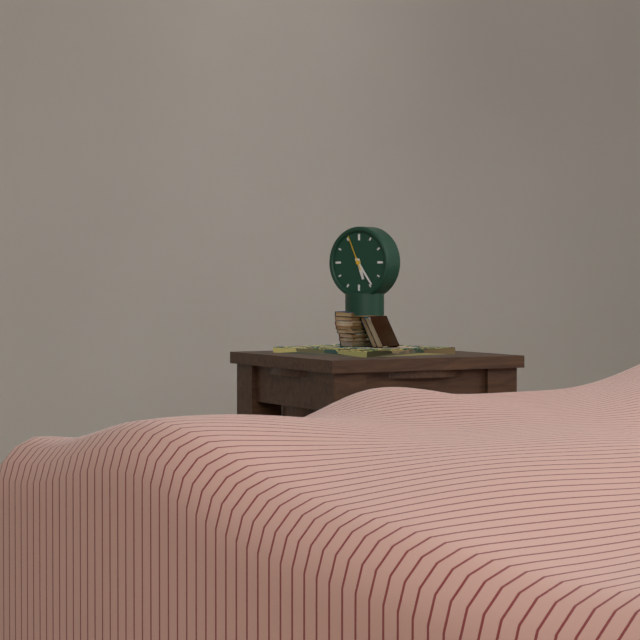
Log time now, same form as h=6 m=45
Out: h=5 m=24
